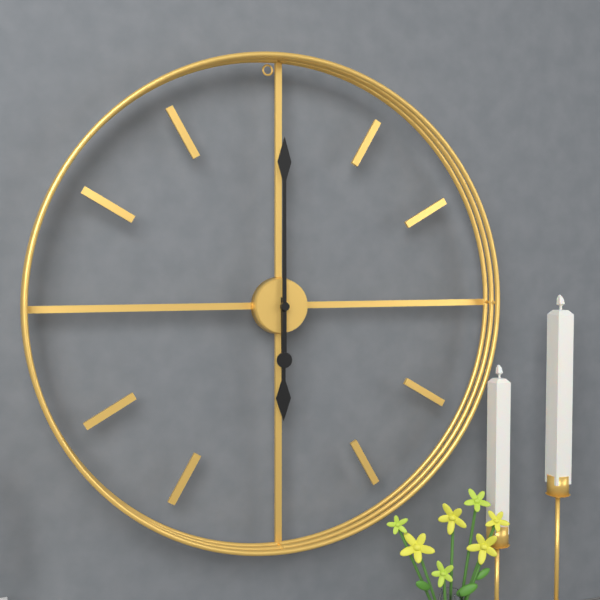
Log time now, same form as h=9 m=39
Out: h=6 m=0
